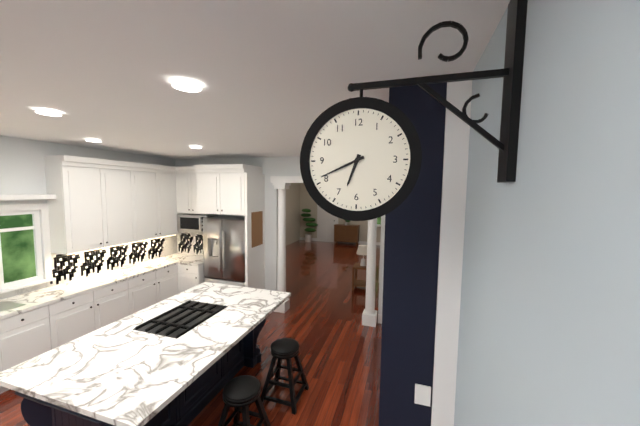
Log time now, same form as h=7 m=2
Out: h=6 m=41
